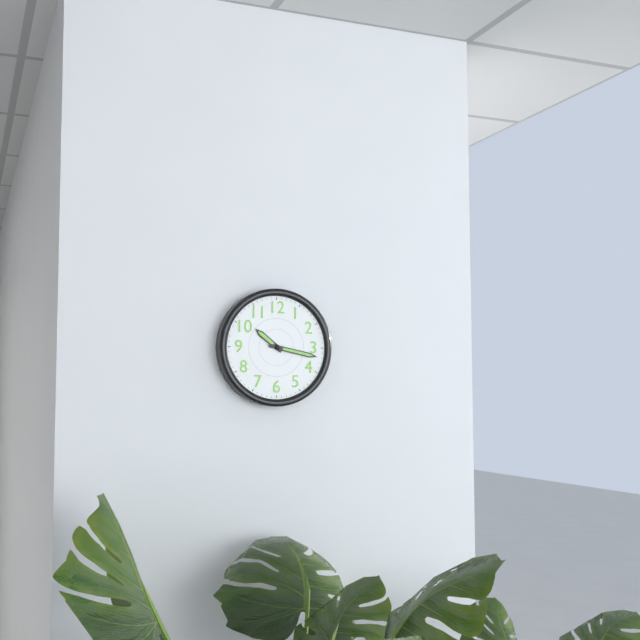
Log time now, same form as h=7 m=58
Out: h=10 m=17
